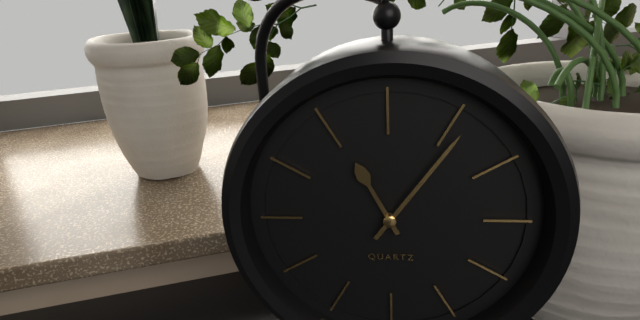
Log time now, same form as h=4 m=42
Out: h=11 m=6
